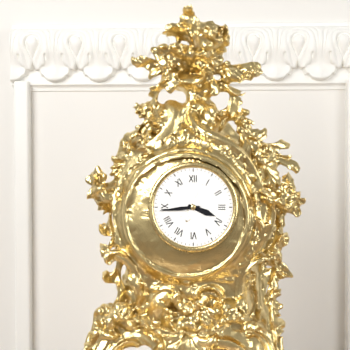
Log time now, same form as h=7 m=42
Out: h=3 m=44
